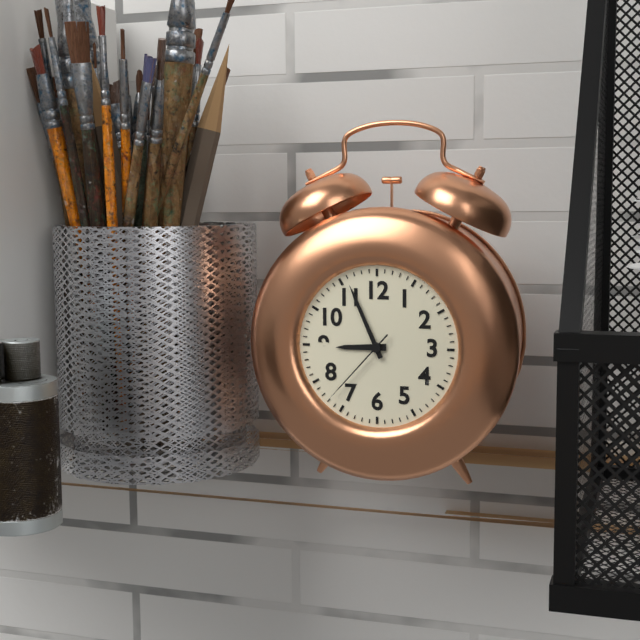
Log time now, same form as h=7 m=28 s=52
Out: h=8 m=56 s=37
